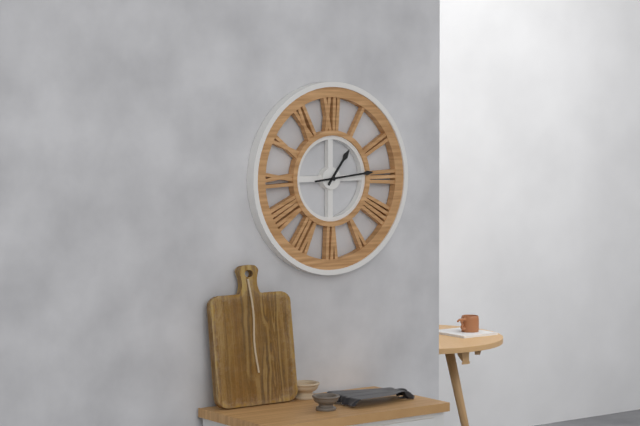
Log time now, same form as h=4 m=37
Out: h=1 m=14
